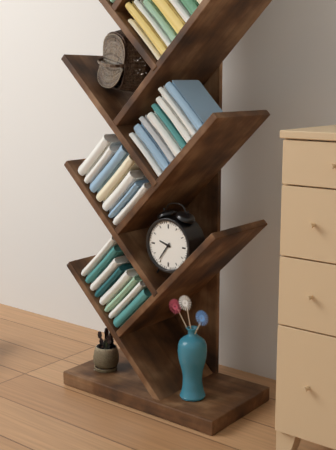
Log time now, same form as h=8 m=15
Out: h=9 m=36
